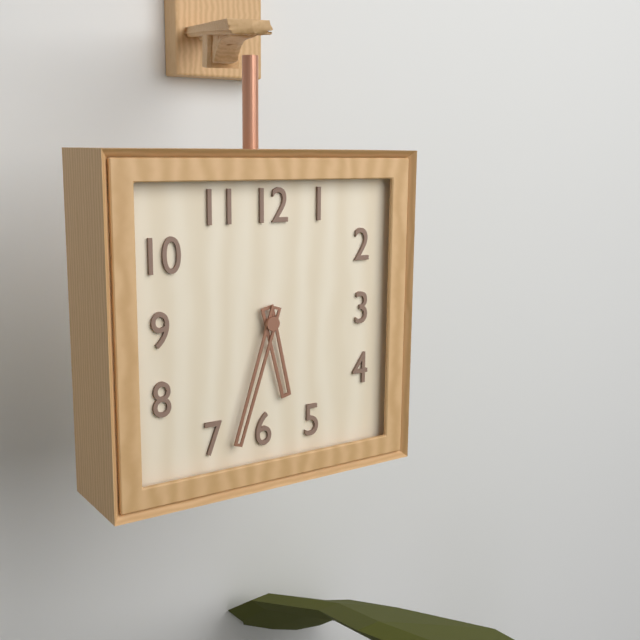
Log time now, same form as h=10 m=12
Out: h=5 m=33
